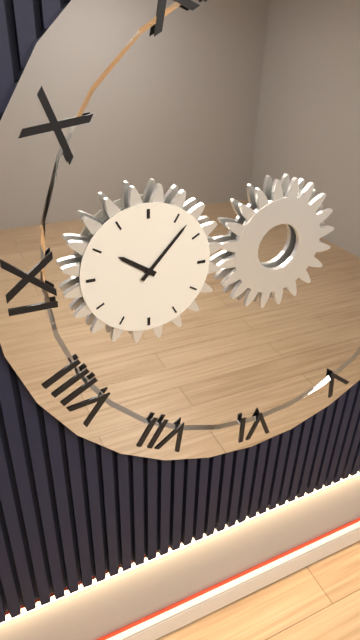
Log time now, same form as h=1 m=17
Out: h=10 m=7
